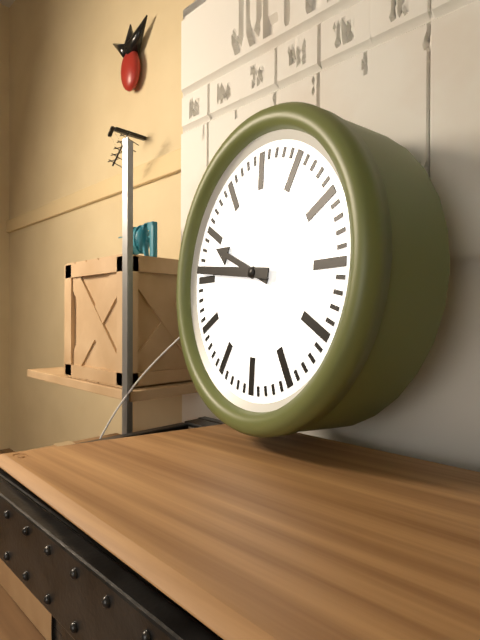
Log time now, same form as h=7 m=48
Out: h=9 m=46
